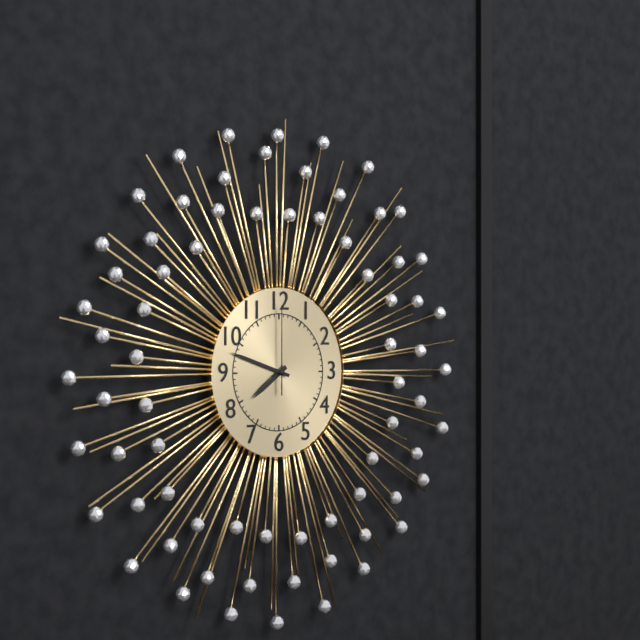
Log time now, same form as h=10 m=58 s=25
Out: h=7 m=48 s=0
